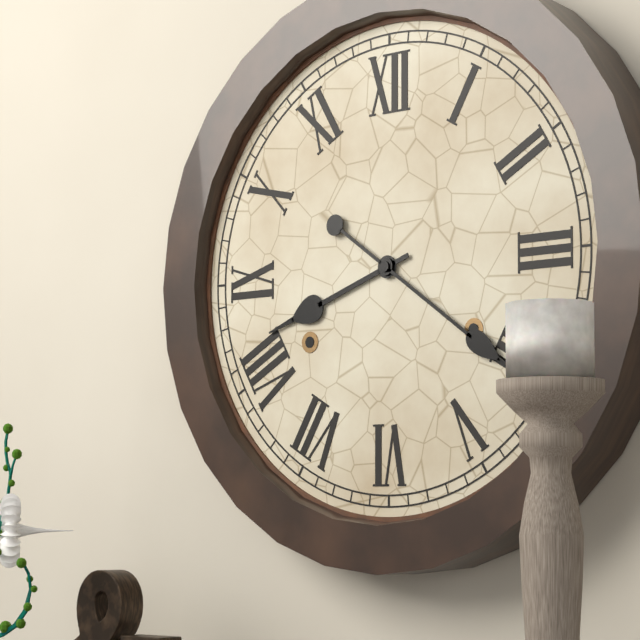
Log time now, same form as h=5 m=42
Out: h=8 m=21
